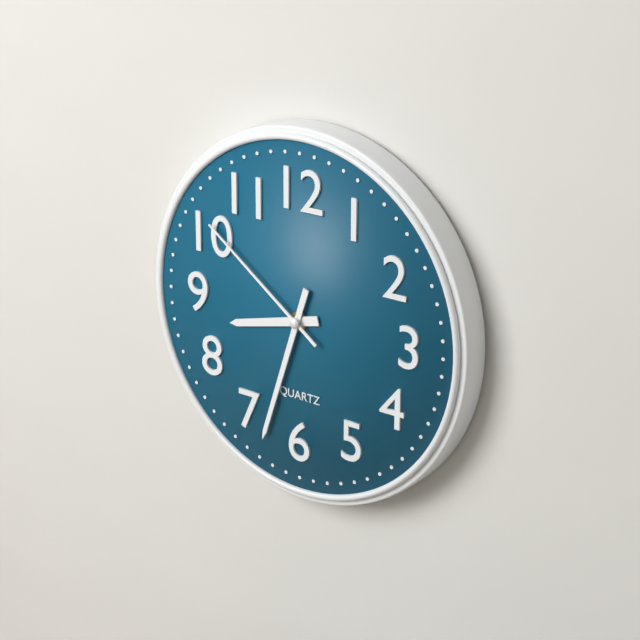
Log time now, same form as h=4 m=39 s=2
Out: h=8 m=33 s=51
